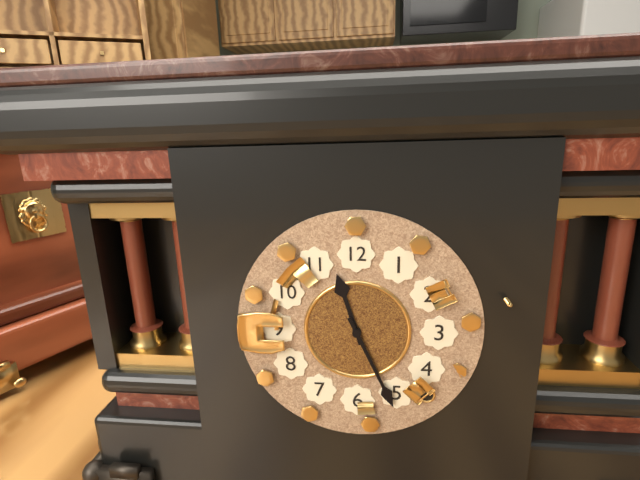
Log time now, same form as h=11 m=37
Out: h=11 m=26
